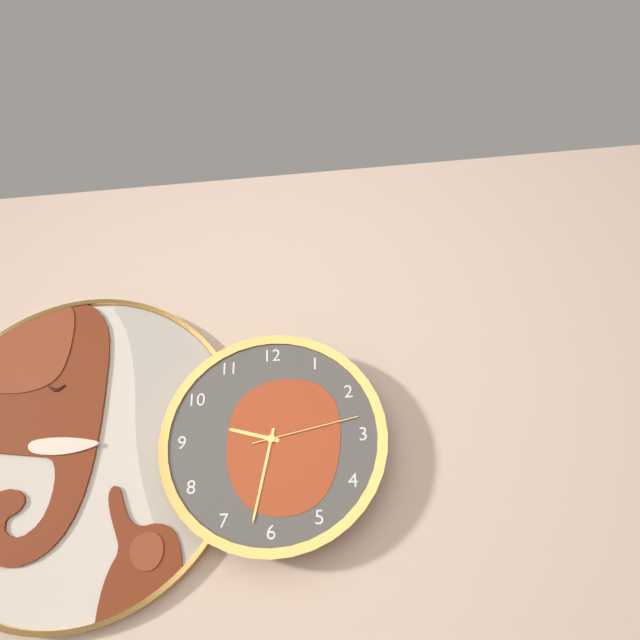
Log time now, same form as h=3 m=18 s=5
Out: h=9 m=32 s=13
